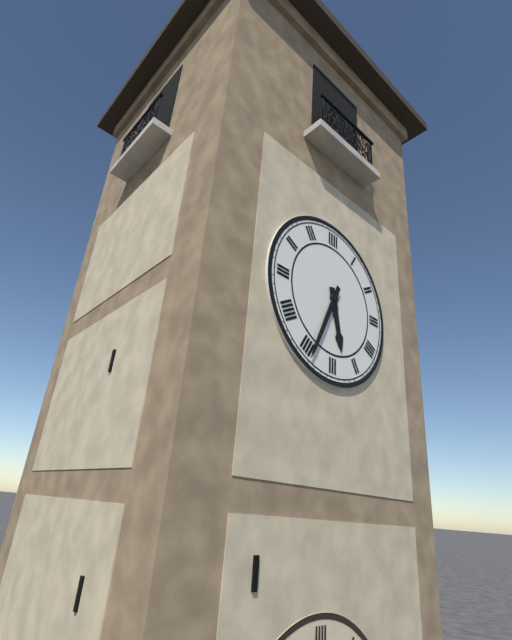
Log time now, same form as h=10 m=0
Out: h=5 m=34
